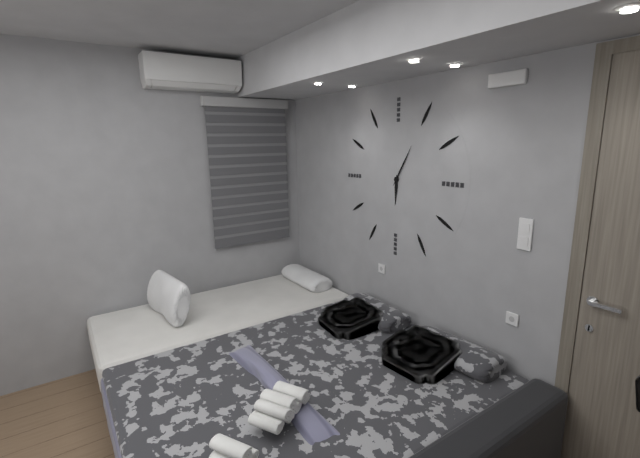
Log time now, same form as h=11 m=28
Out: h=6 m=5
